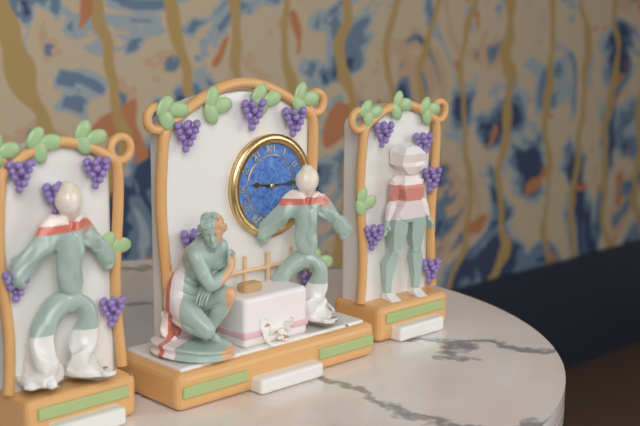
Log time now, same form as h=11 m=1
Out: h=9 m=15
